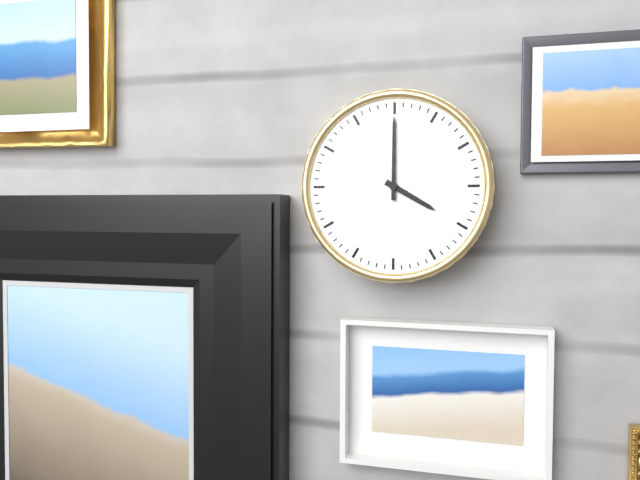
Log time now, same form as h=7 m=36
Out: h=4 m=0
